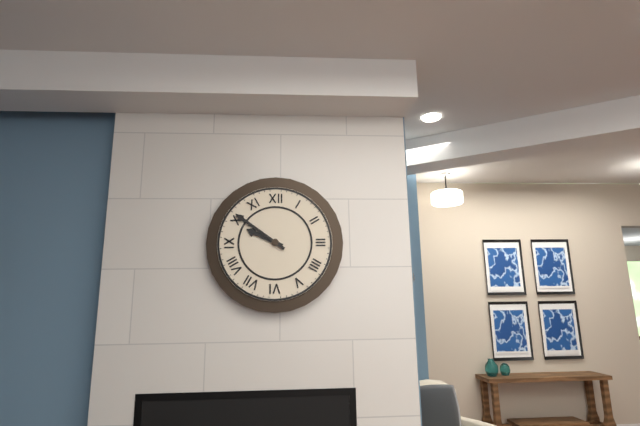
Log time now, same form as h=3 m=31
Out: h=9 m=51
